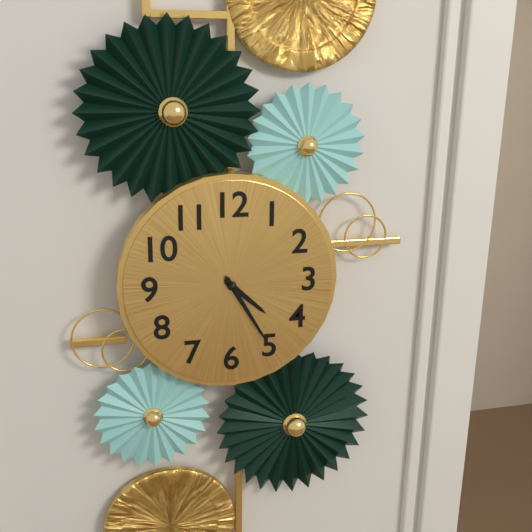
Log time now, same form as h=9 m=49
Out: h=4 m=25
